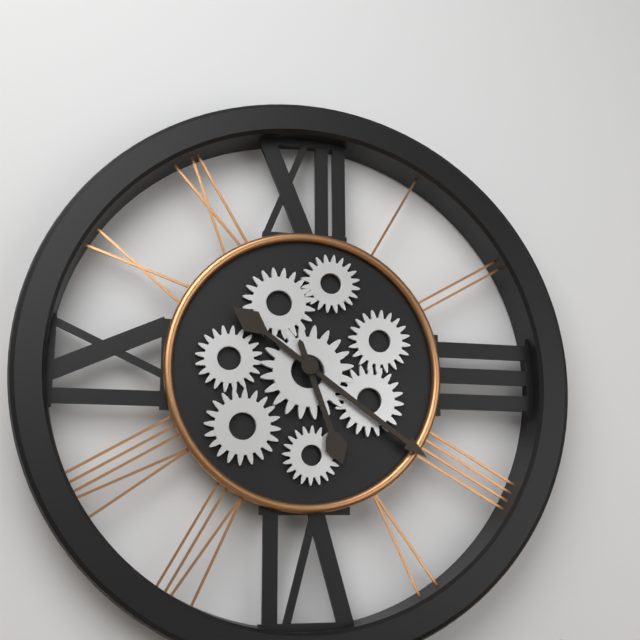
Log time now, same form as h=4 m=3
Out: h=5 m=21
